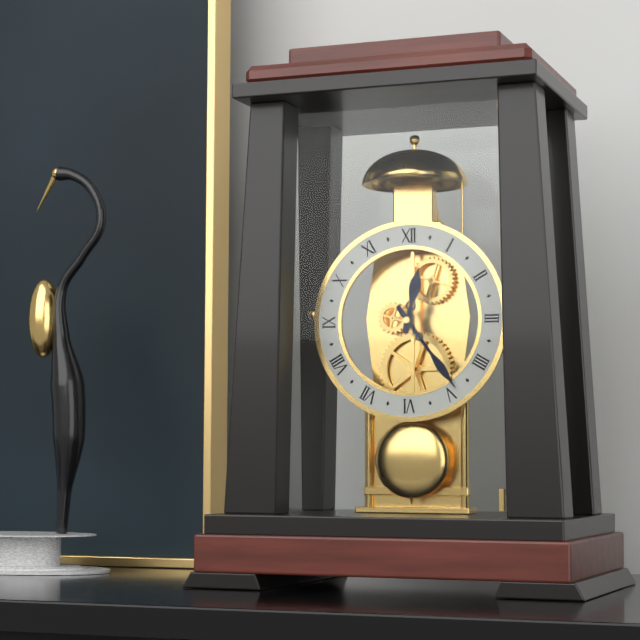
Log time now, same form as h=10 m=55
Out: h=12 m=24
